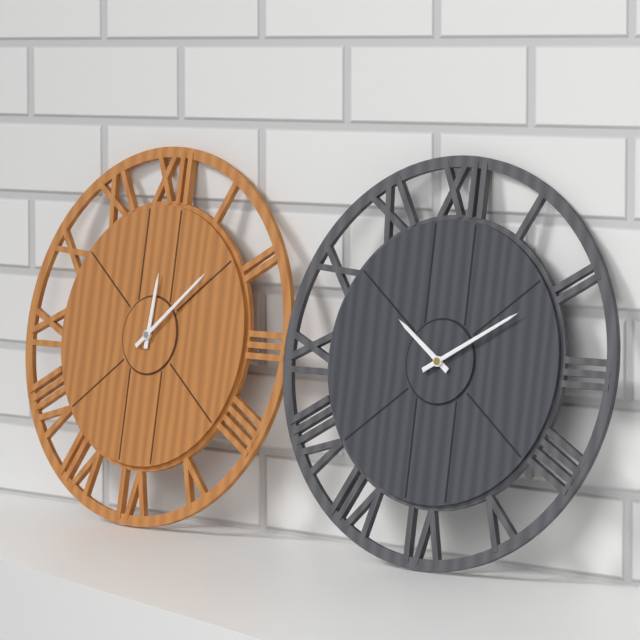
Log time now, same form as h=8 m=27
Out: h=12 m=8
